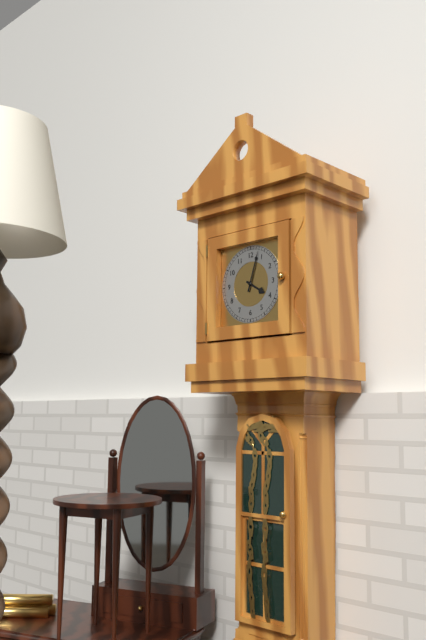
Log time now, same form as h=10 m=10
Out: h=4 m=3
